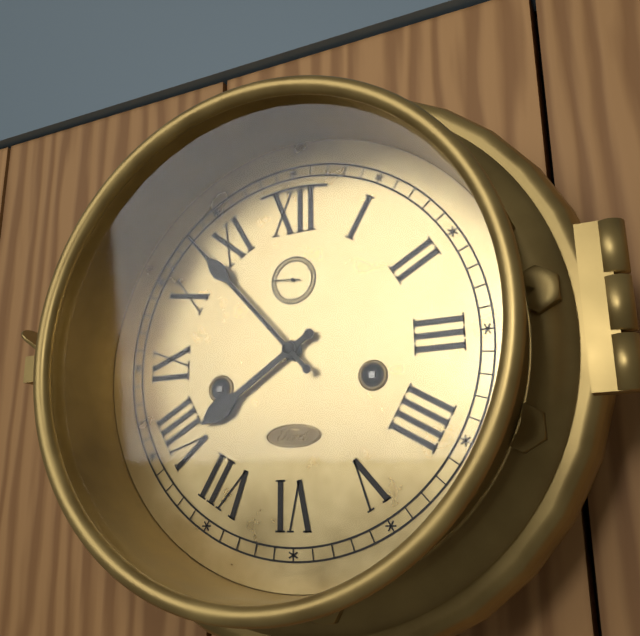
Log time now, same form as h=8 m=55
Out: h=7 m=53
